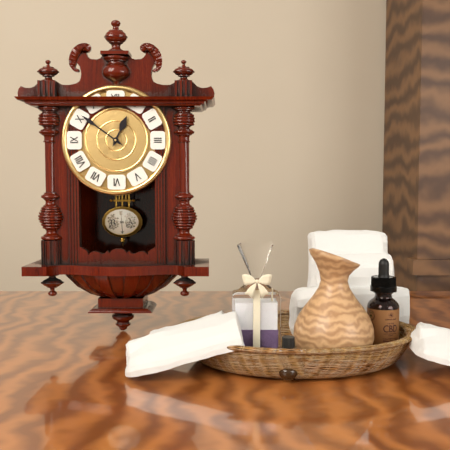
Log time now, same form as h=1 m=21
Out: h=12 m=51
